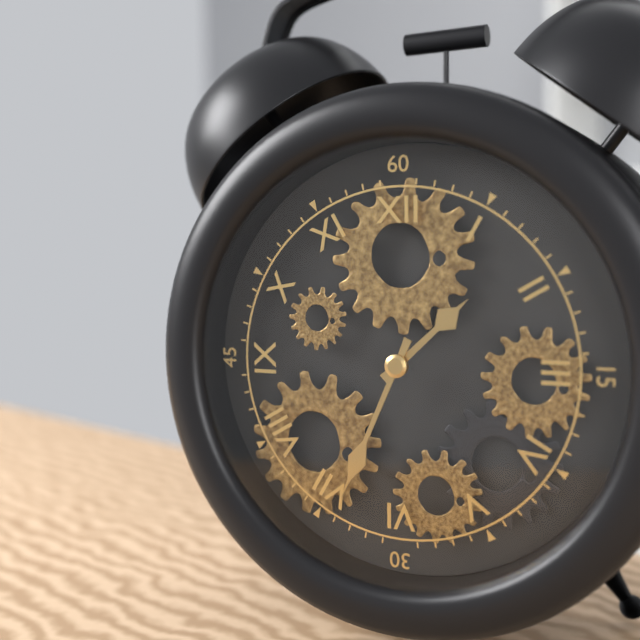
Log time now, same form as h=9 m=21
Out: h=1 m=34
